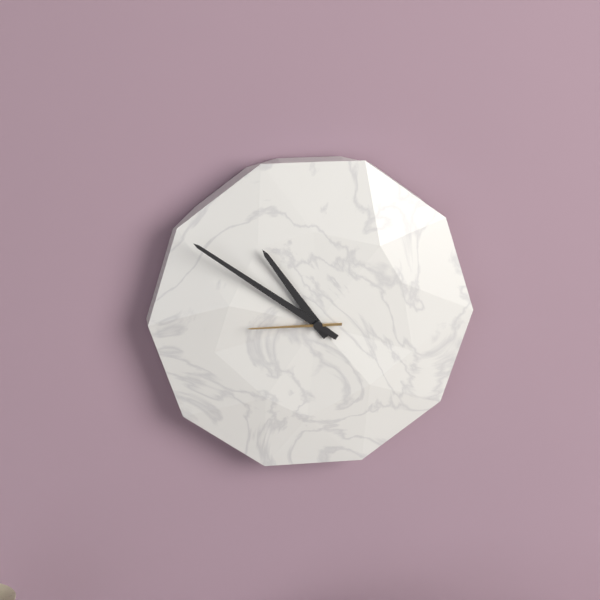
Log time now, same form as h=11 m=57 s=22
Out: h=10 m=51 s=45
